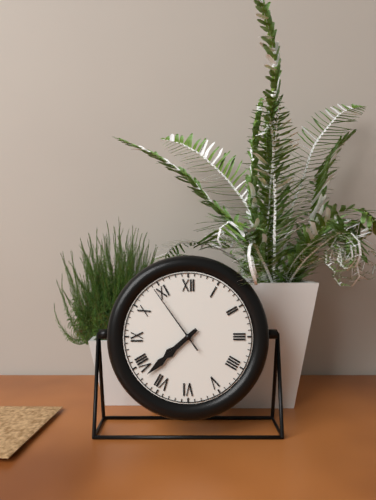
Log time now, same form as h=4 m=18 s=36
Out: h=7 m=38 s=54
